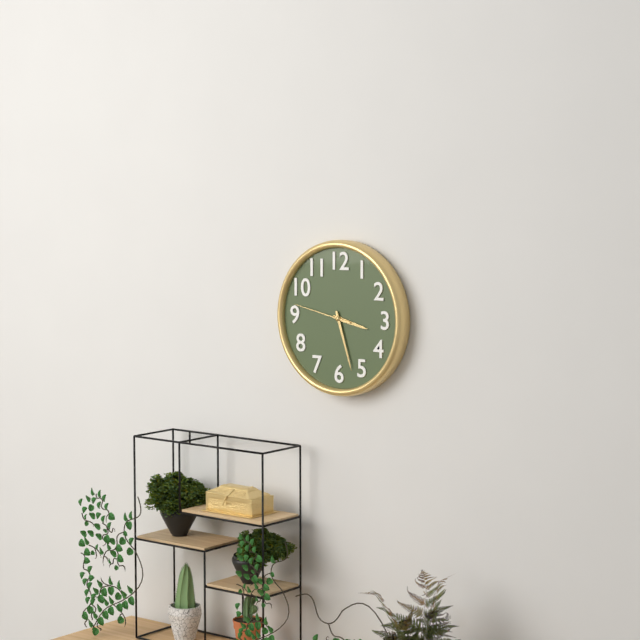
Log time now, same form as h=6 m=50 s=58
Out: h=3 m=27 s=47
